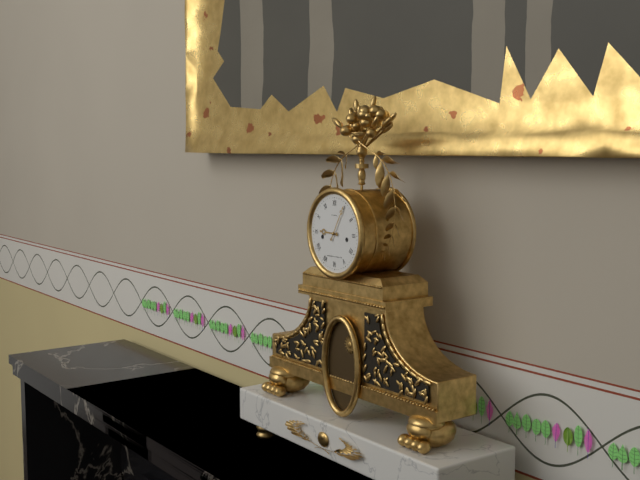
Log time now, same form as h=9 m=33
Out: h=9 m=5
